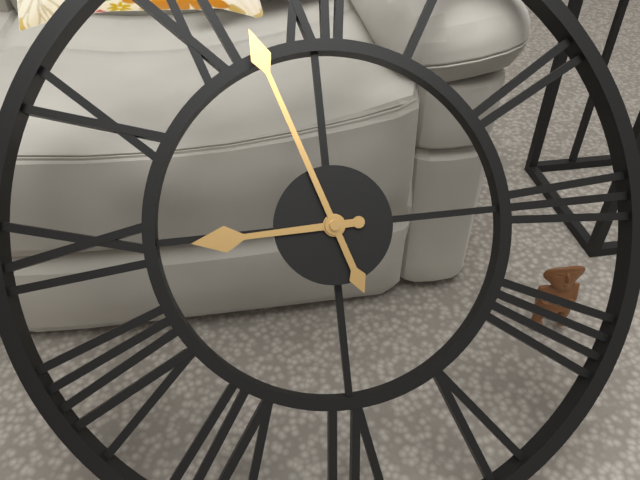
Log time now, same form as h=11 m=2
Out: h=8 m=57
